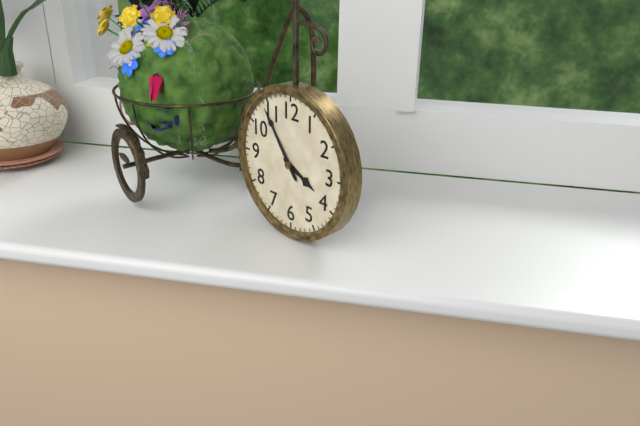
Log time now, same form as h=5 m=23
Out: h=3 m=54
